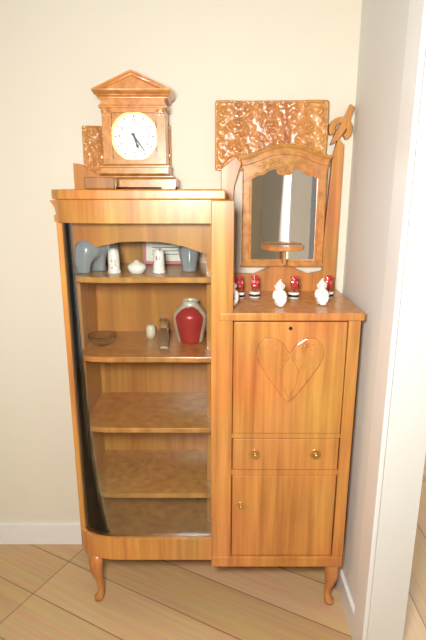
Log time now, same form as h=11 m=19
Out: h=5 m=24
